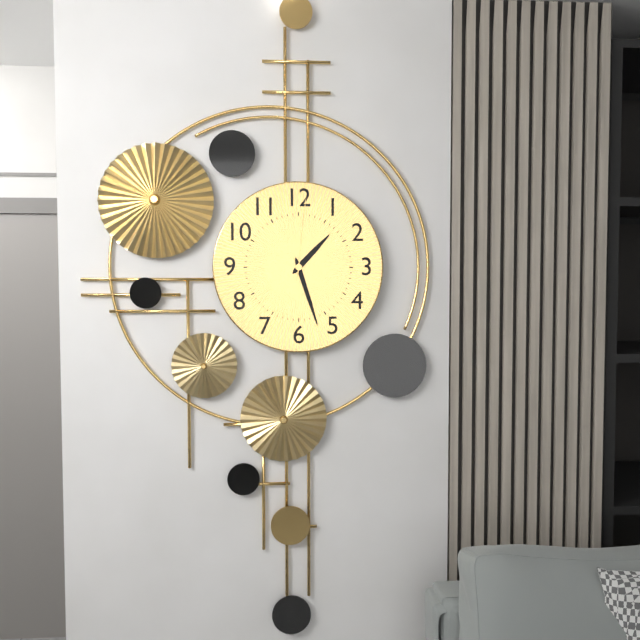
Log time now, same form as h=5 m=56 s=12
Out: h=1 m=27 s=1
